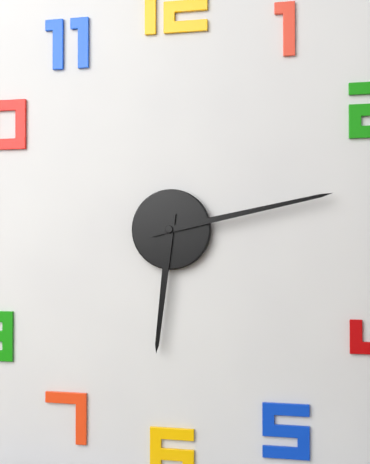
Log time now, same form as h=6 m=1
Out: h=6 m=13
